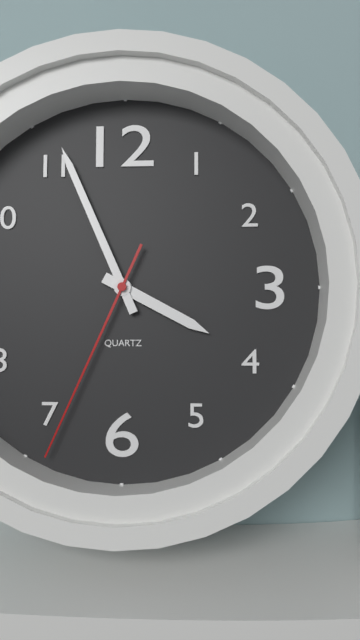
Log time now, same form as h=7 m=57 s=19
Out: h=3 m=56 s=34
